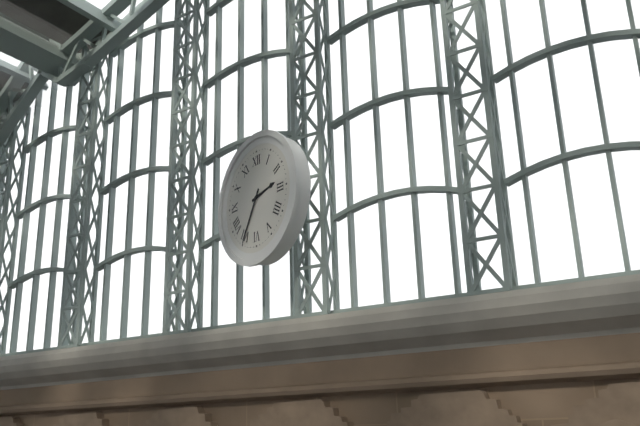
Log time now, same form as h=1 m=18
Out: h=2 m=35
